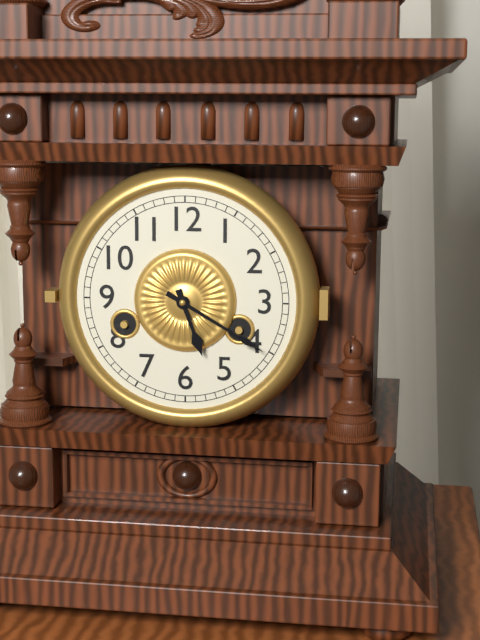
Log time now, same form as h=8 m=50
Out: h=5 m=20
